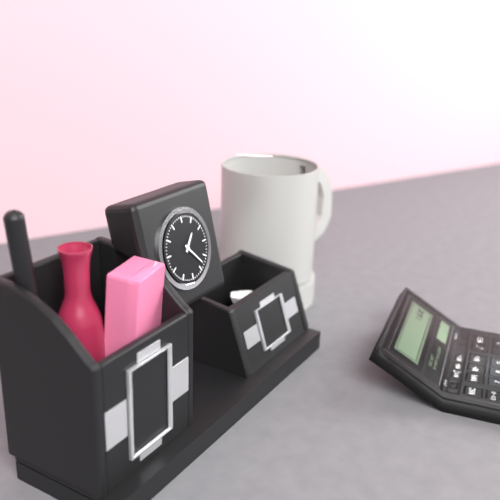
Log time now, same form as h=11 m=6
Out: h=1 m=23
